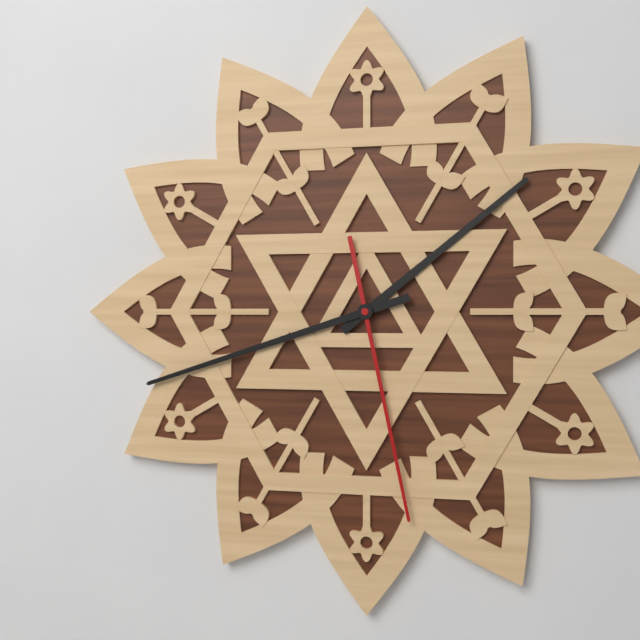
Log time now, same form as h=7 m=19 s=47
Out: h=1 m=42 s=28
